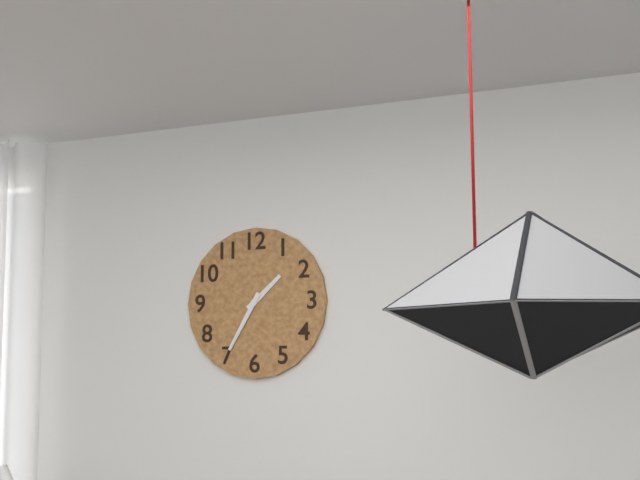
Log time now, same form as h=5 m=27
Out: h=1 m=35
